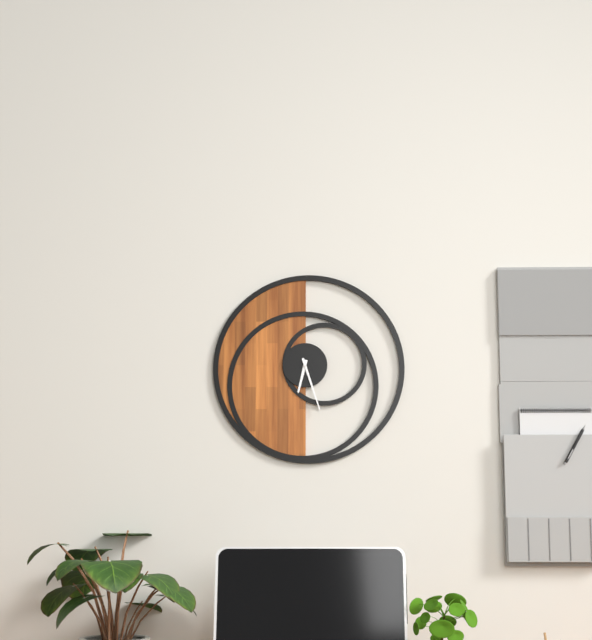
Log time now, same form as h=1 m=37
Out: h=6 m=27
